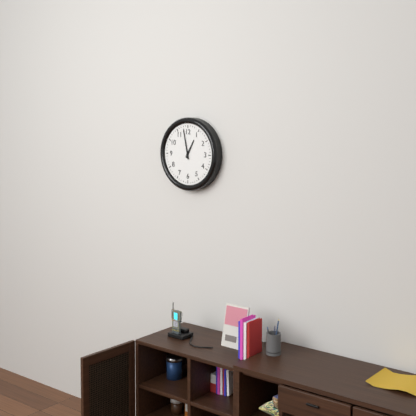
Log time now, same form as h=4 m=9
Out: h=12 m=58
